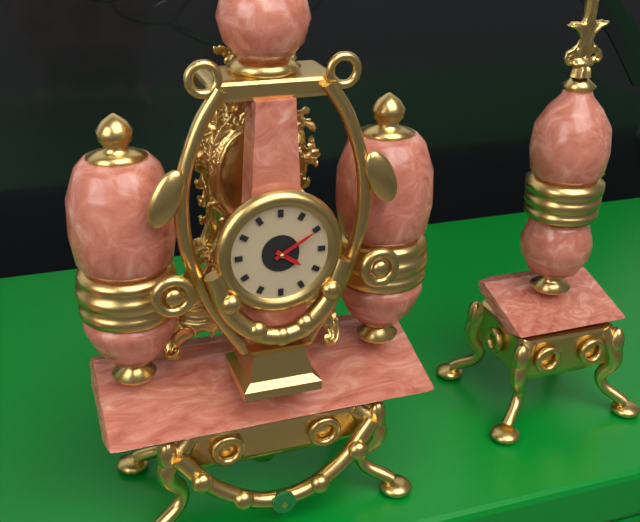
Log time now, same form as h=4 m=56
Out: h=4 m=10
